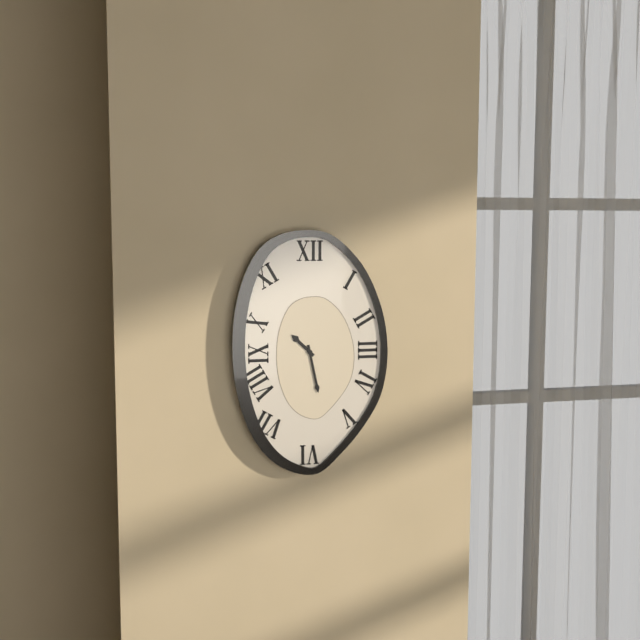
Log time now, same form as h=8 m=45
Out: h=10 m=28
